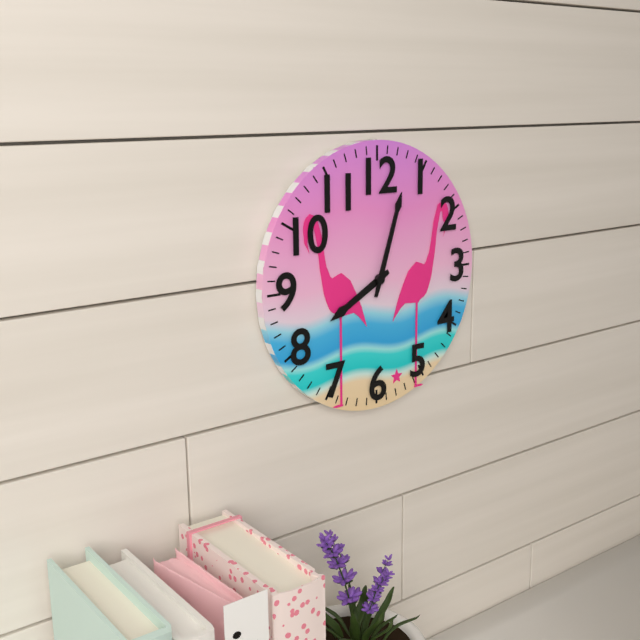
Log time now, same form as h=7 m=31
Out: h=8 m=3
